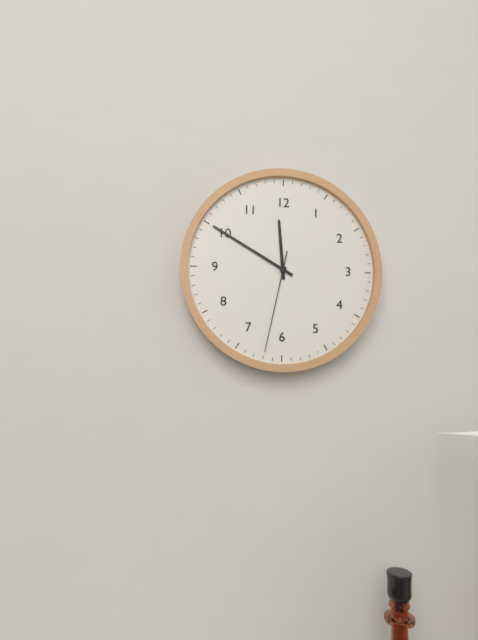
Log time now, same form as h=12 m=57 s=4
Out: h=11 m=50 s=32
